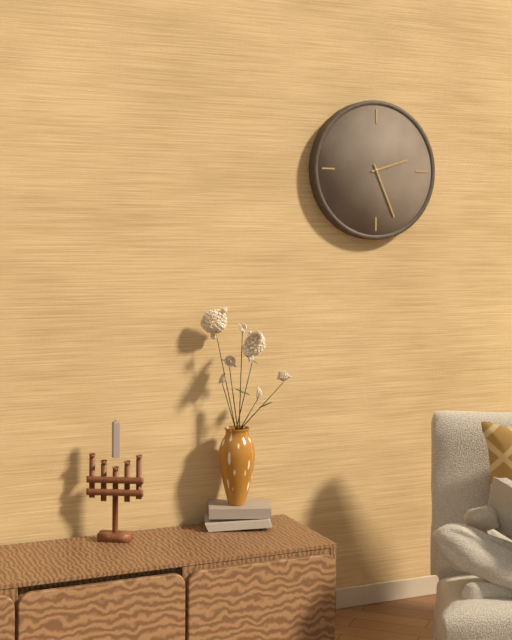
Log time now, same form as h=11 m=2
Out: h=2 m=26
